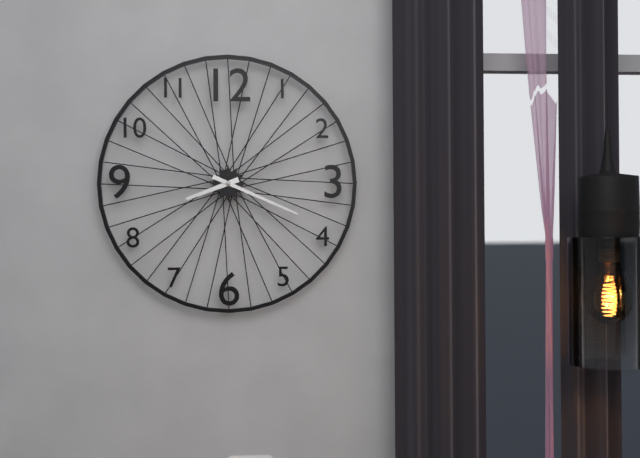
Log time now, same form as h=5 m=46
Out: h=8 m=19
